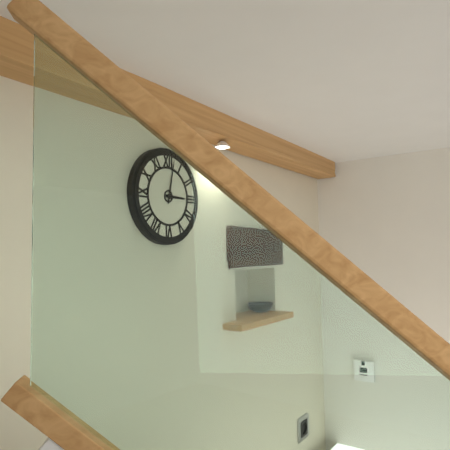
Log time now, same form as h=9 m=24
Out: h=3 m=2
